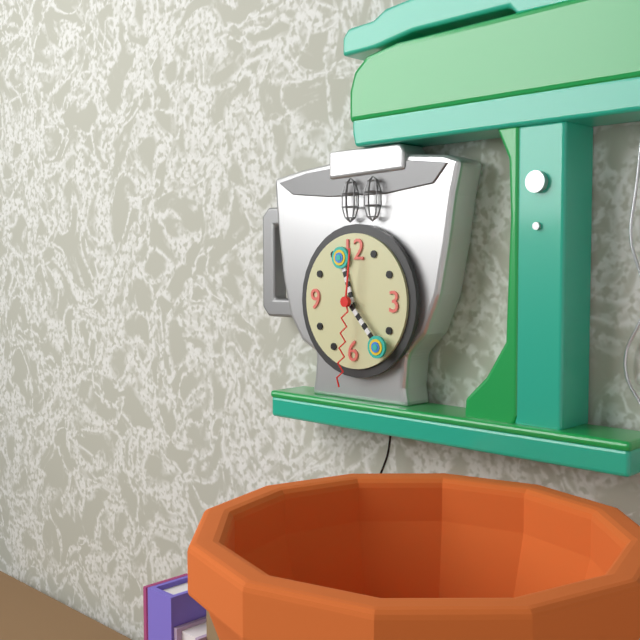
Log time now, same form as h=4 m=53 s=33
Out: h=11 m=23 s=31
